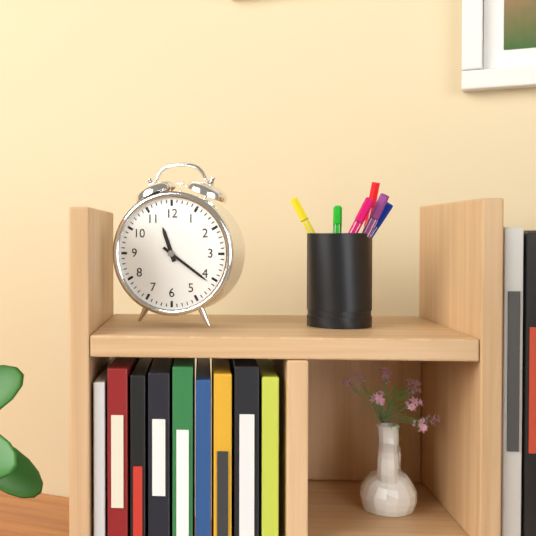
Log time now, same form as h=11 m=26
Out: h=11 m=21
